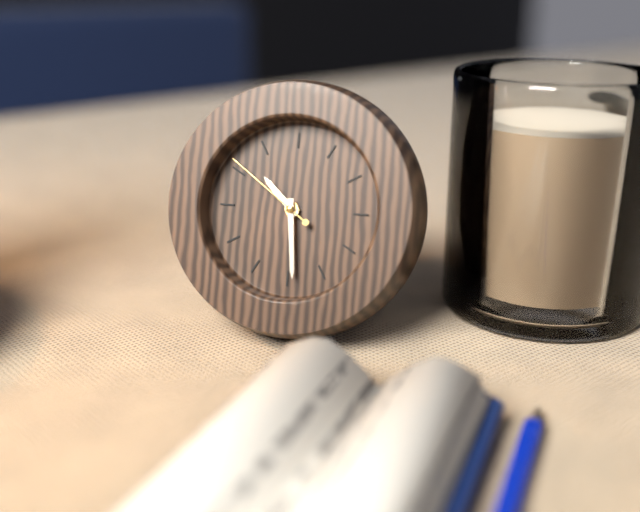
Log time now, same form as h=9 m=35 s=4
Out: h=10 m=29 s=51
